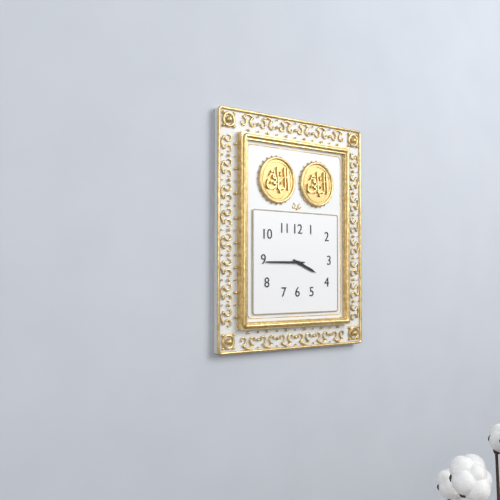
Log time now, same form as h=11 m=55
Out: h=3 m=45
